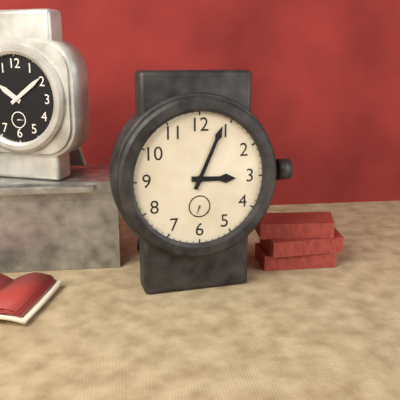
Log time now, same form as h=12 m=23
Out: h=3 m=4
